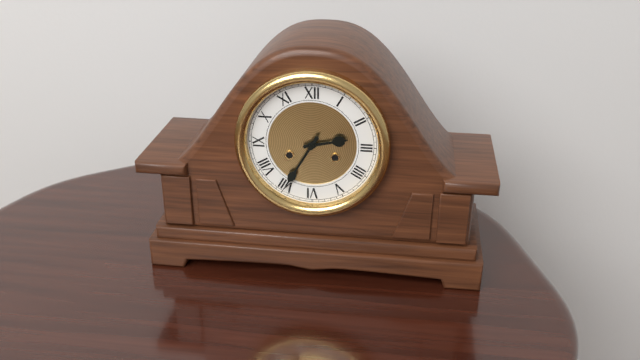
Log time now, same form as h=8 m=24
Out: h=2 m=35
